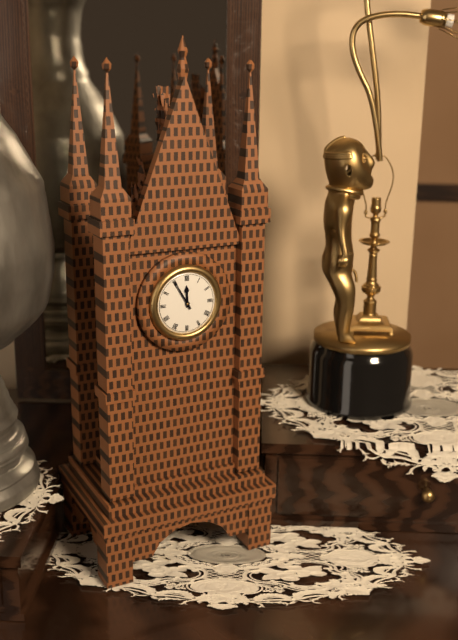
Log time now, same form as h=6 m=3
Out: h=11 m=55
